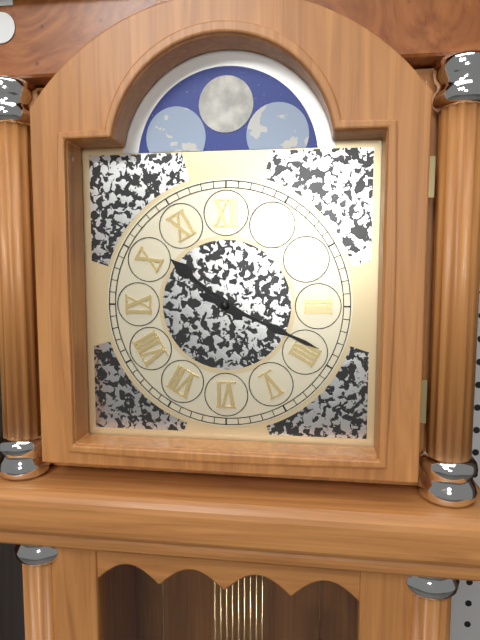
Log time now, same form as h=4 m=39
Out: h=10 m=19
